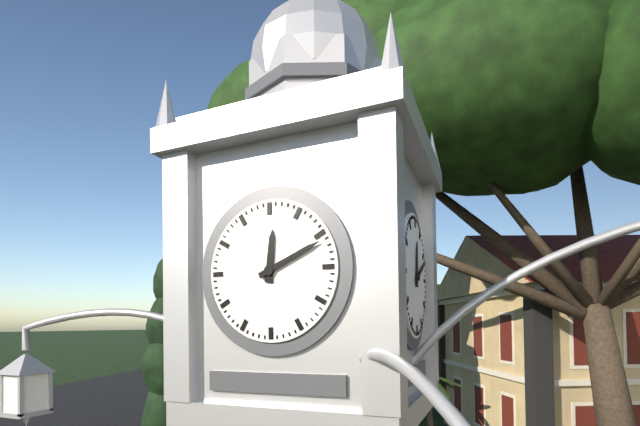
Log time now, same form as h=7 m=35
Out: h=12 m=11
